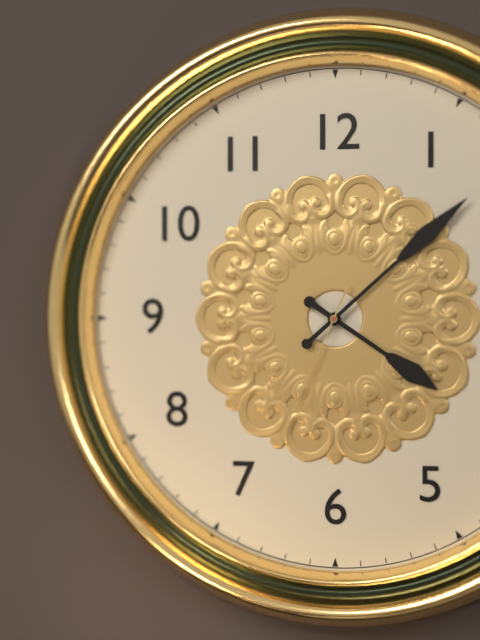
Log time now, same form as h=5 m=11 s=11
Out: h=4 m=8 s=34
